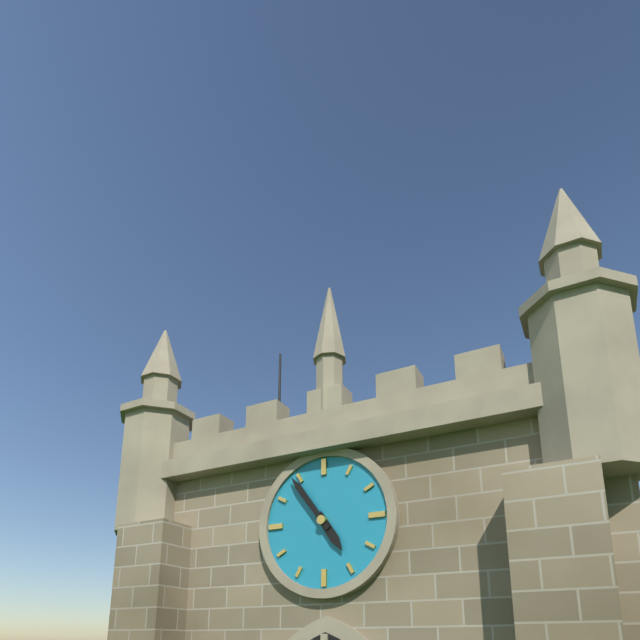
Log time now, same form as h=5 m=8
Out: h=4 m=54
